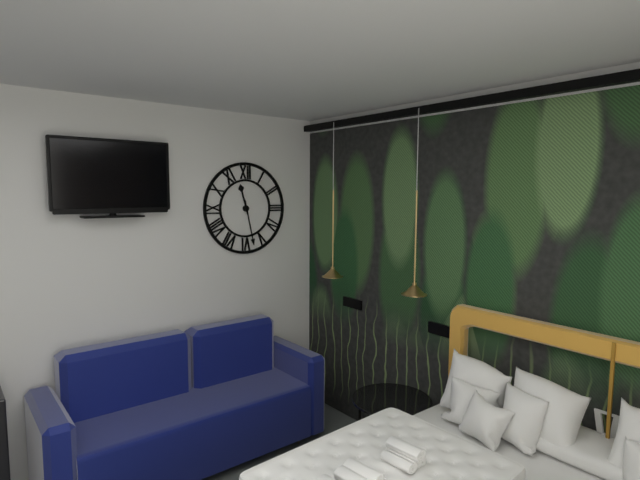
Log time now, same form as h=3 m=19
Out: h=11 m=28
